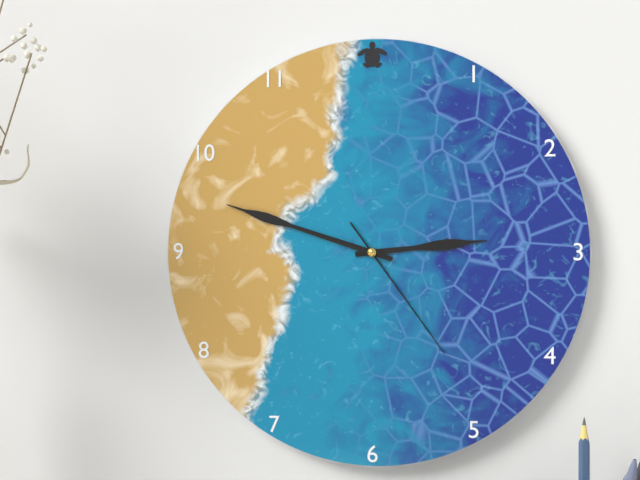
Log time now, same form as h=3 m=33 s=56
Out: h=2 m=48 s=24
